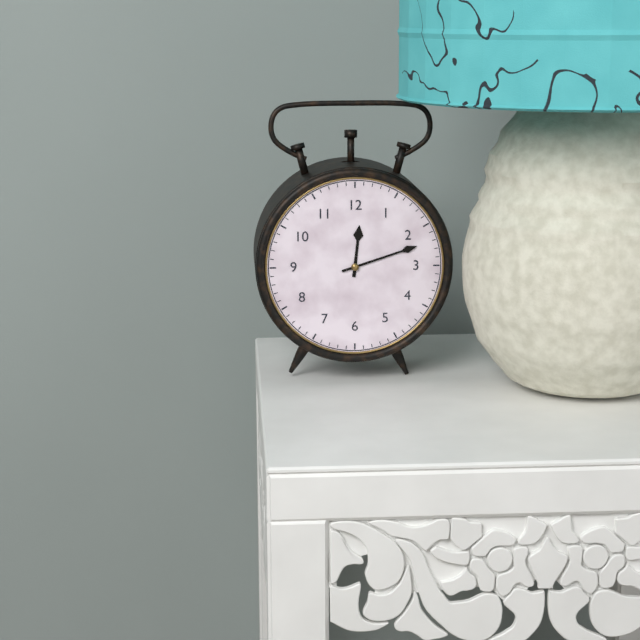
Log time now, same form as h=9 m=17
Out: h=12 m=12
